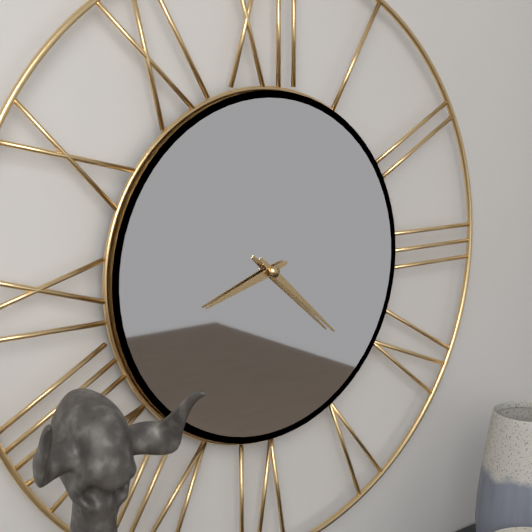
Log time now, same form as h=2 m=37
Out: h=8 m=22
